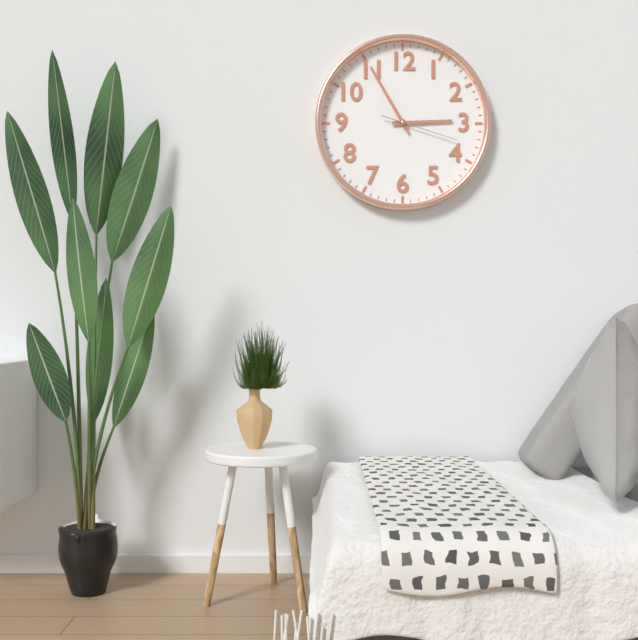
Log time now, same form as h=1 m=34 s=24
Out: h=2 m=55 s=18
